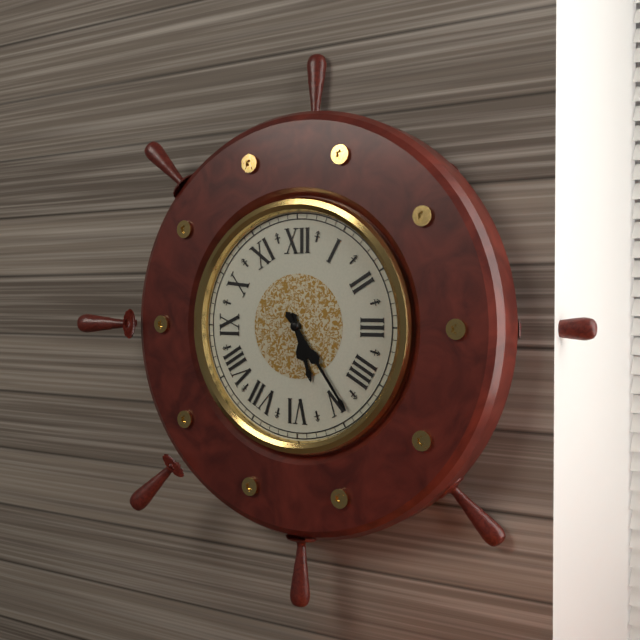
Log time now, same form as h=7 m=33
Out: h=5 m=24
